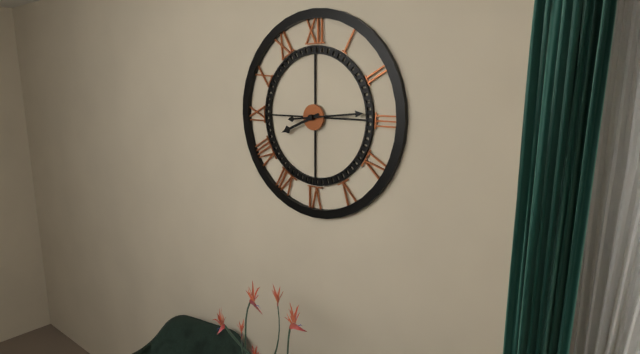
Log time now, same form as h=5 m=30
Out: h=8 m=14
